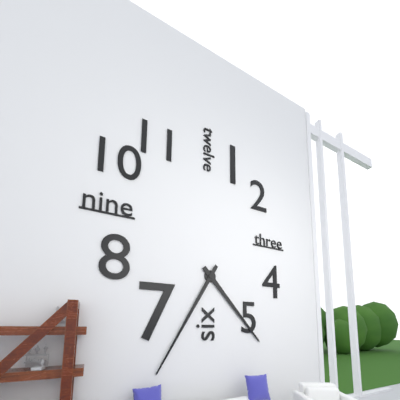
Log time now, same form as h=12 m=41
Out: h=4 m=35
